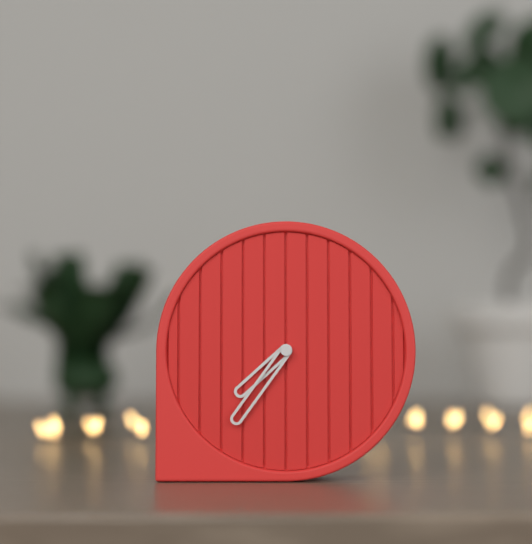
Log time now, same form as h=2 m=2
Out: h=7 m=36
